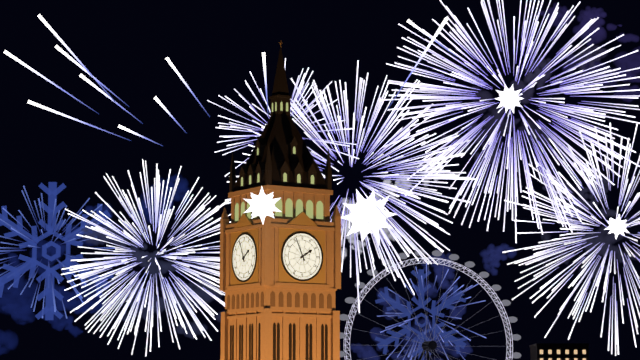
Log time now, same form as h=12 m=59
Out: h=1 m=56
